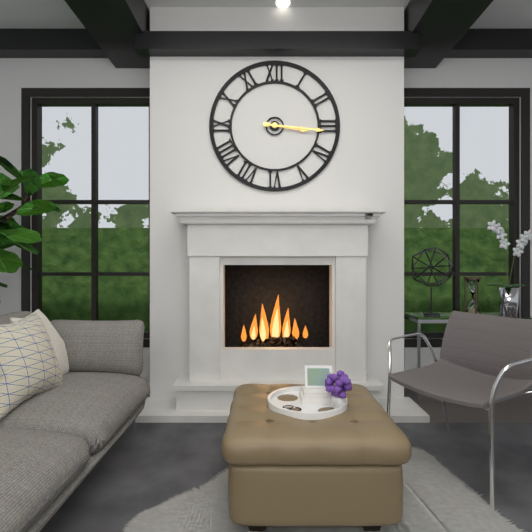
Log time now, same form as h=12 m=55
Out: h=3 m=16
